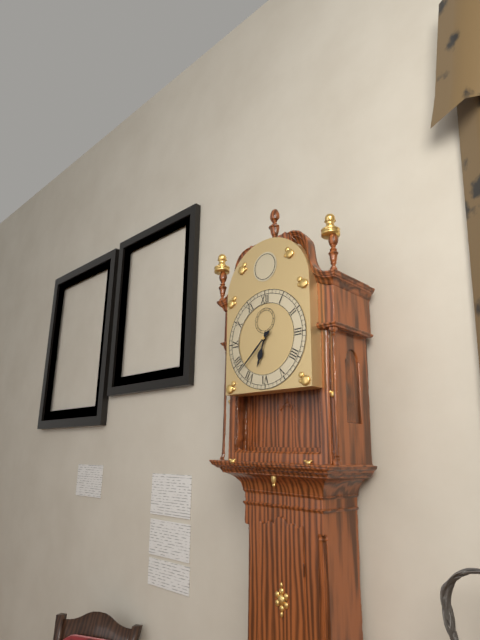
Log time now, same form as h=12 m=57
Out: h=6 m=38
